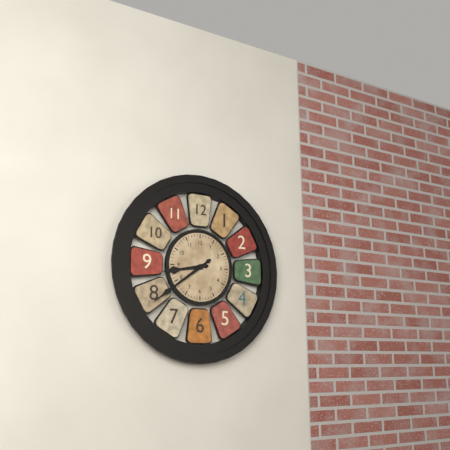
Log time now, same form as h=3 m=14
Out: h=8 m=39
